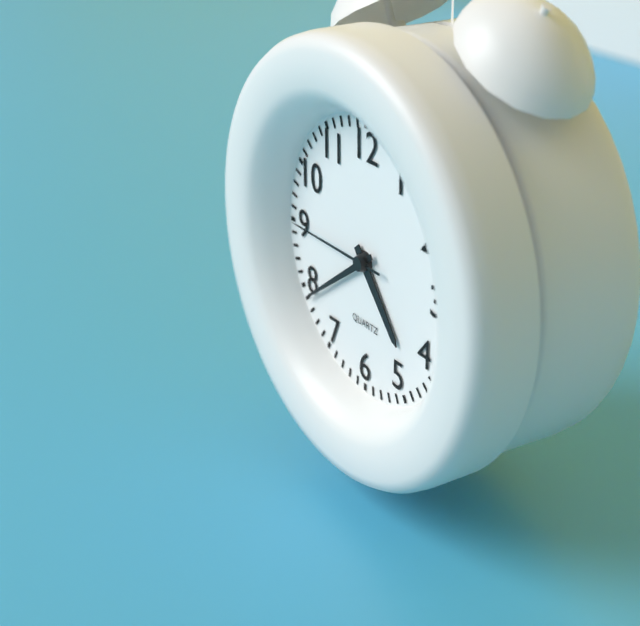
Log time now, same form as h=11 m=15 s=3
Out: h=4 m=39 s=45
